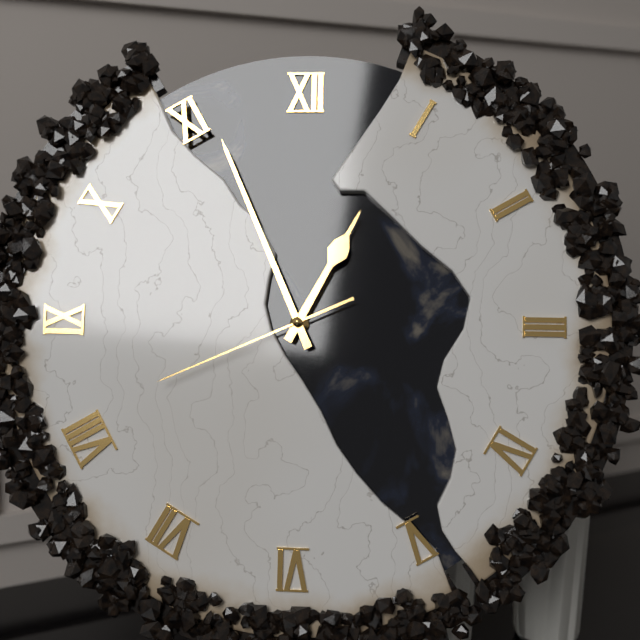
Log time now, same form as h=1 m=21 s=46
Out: h=12 m=56 s=41
